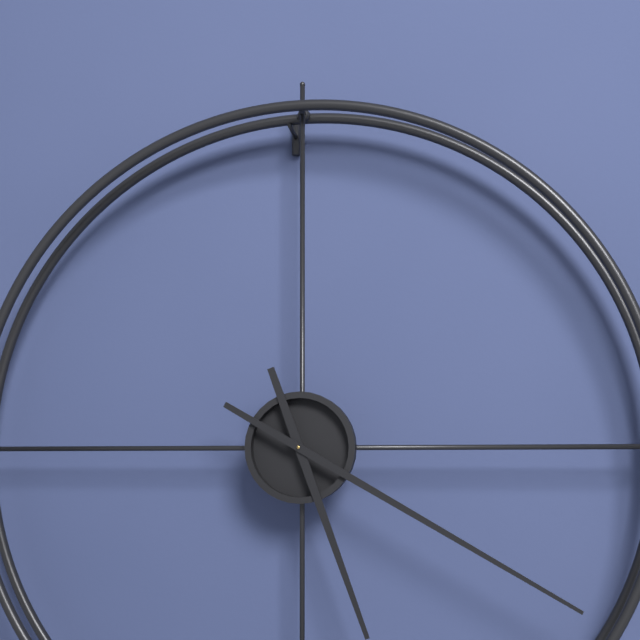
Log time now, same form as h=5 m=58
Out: h=5 m=20
